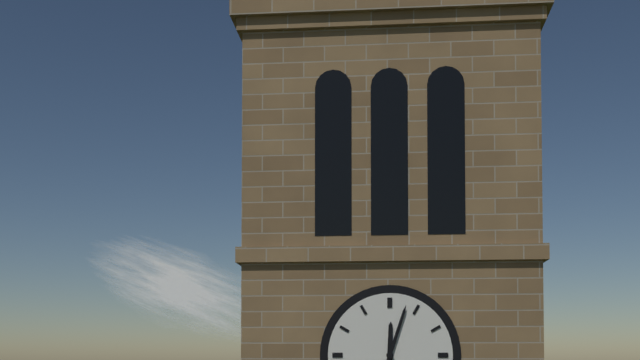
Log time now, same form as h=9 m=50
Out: h=12 m=3
